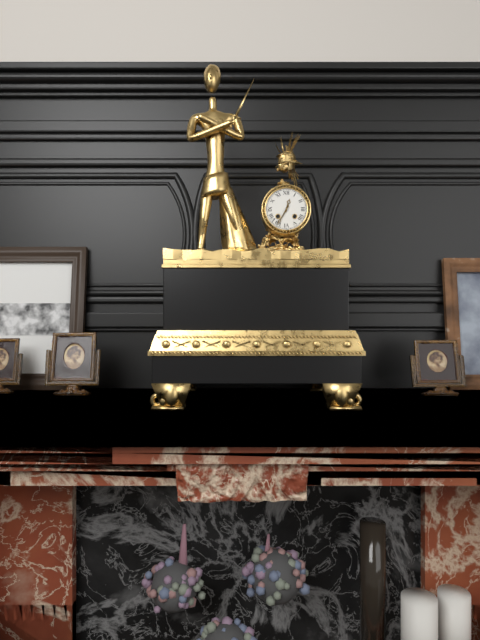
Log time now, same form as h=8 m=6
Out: h=12 m=35
